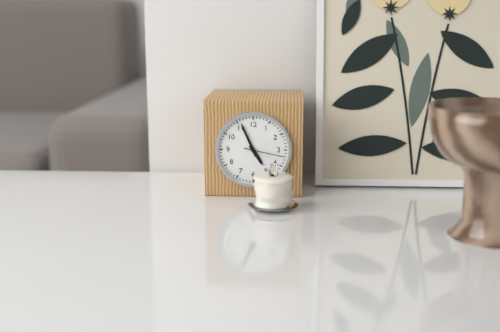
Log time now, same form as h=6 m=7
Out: h=4 m=56
